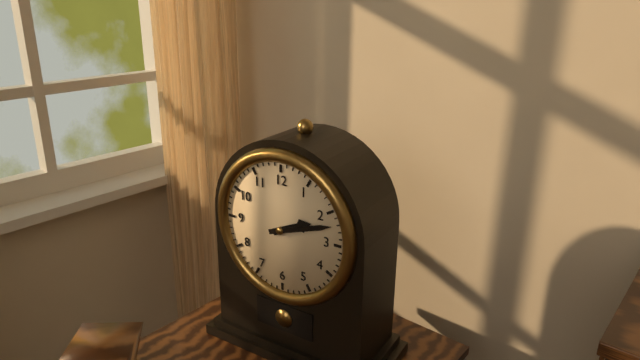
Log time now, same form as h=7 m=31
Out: h=2 m=12
